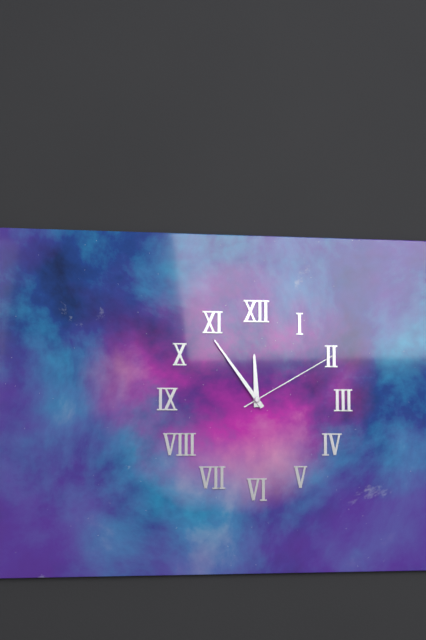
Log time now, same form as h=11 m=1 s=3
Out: h=11 m=54 s=10
